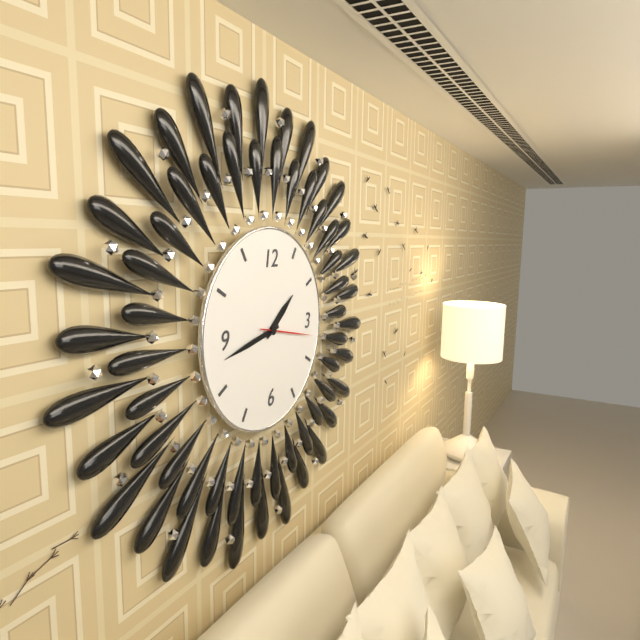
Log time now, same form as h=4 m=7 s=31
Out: h=1 m=43 s=17
